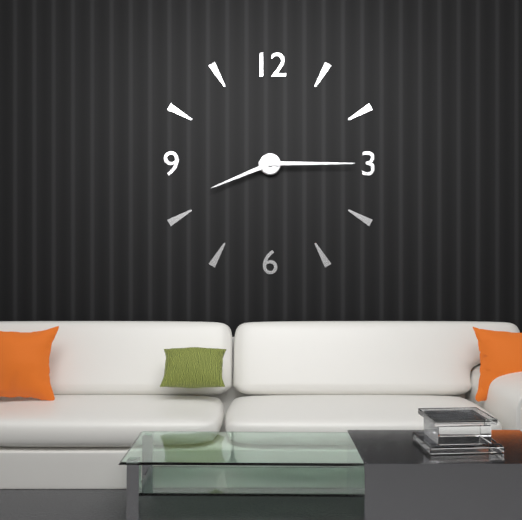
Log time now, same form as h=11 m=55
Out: h=8 m=15
